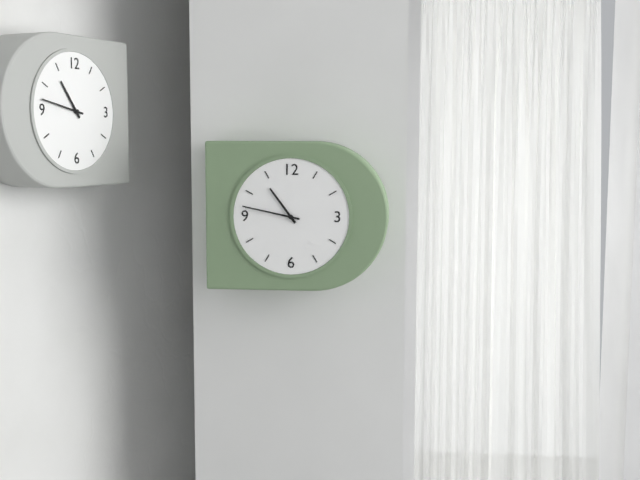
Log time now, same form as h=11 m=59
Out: h=10 m=47
